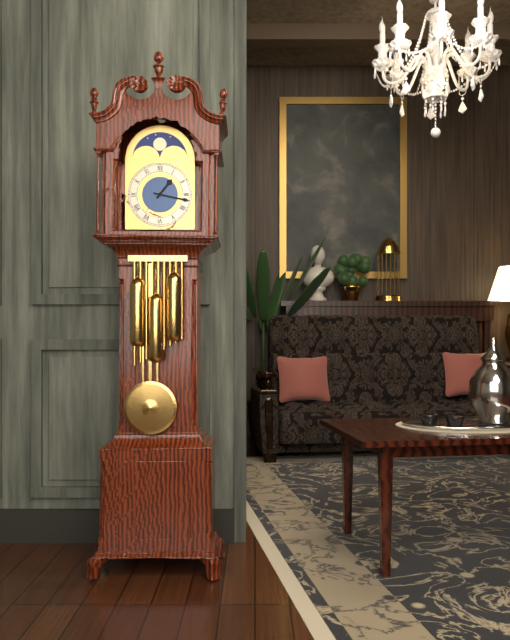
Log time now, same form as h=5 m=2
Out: h=1 m=17
